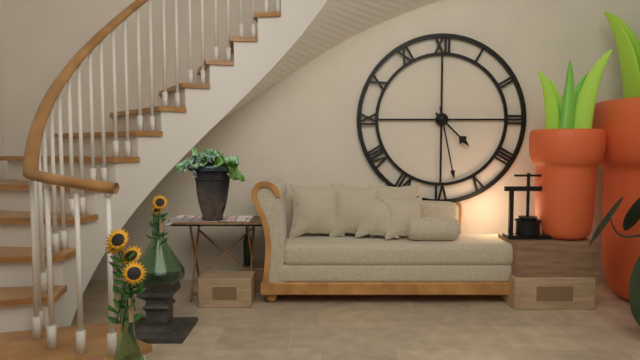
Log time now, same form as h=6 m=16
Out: h=4 m=28
